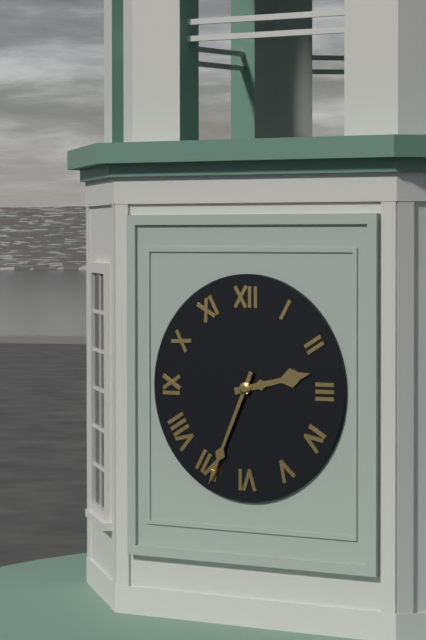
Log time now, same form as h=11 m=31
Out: h=2 m=34
